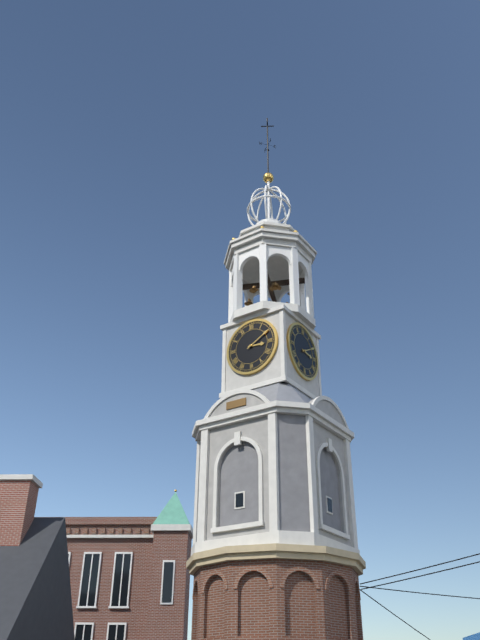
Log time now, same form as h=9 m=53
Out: h=3 m=10
